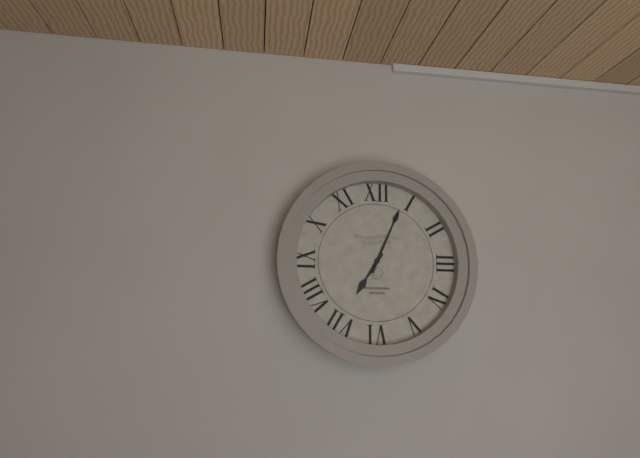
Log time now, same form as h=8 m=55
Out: h=7 m=4
